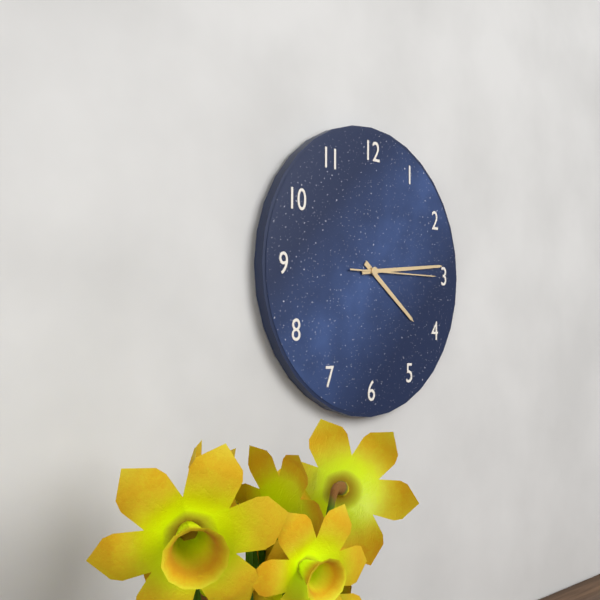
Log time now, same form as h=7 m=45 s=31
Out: h=4 m=14 s=15
